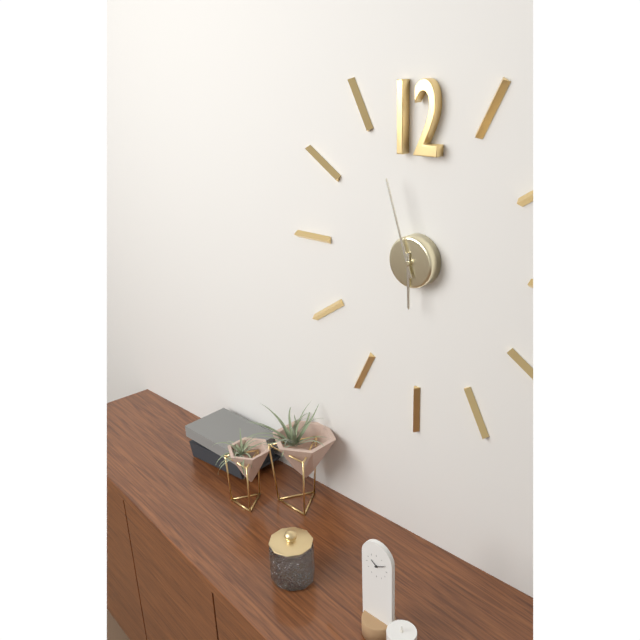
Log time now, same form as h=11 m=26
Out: h=5 m=57
